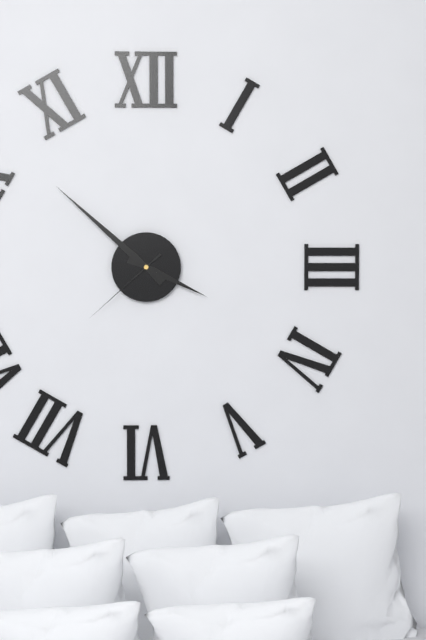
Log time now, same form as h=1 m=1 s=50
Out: h=3 m=52 s=38
